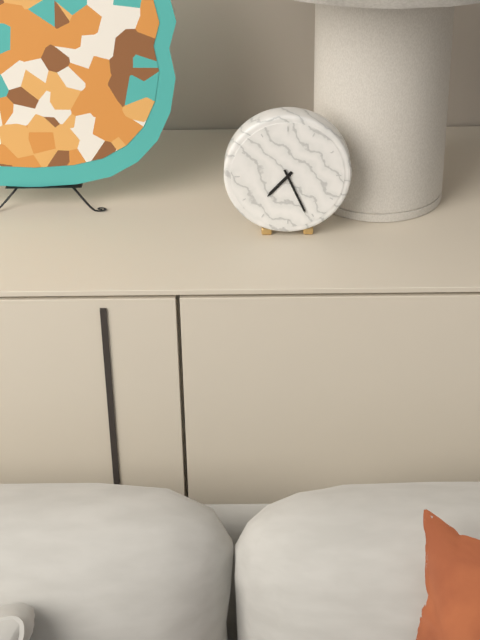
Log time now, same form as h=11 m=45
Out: h=7 m=26
